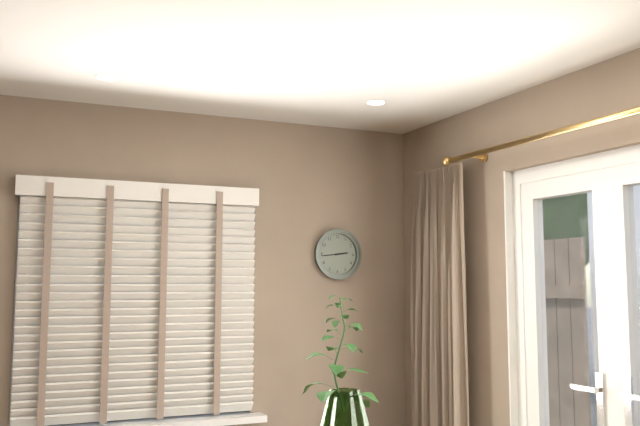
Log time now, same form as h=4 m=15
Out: h=2 m=44
